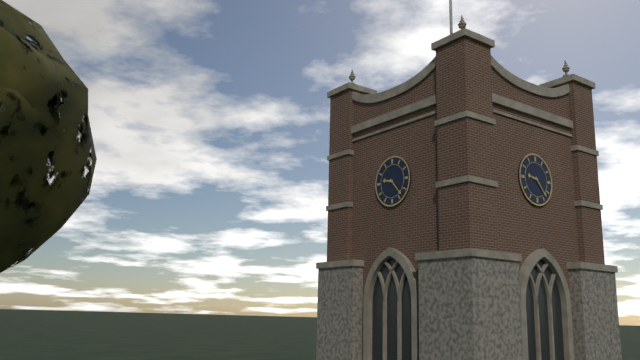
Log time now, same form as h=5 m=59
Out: h=9 m=23
